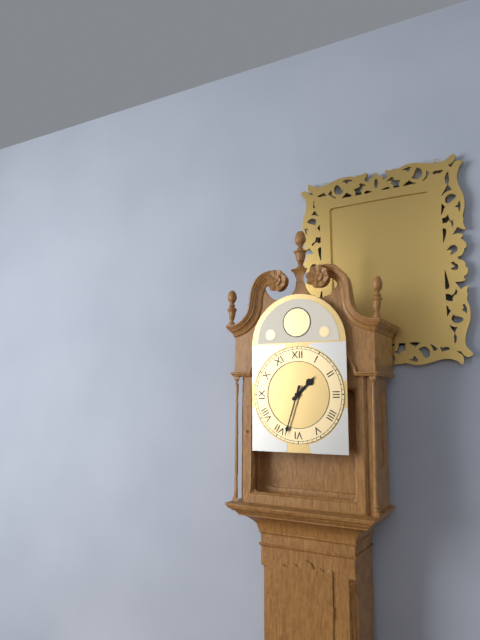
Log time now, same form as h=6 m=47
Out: h=1 m=33
